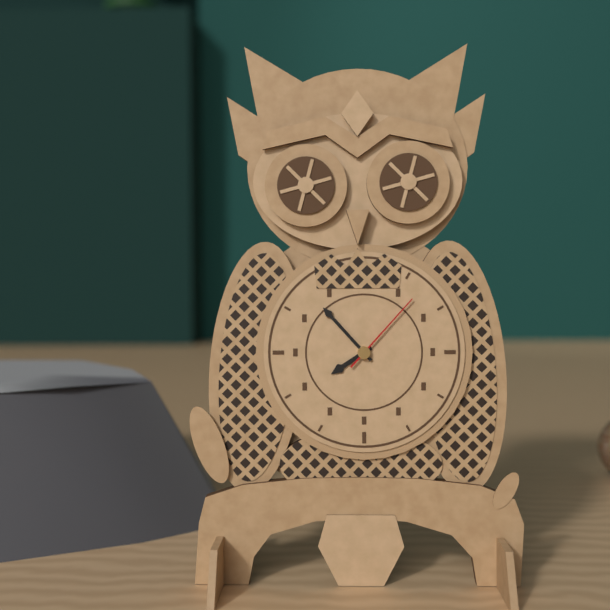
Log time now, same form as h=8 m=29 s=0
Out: h=7 m=53 s=7
